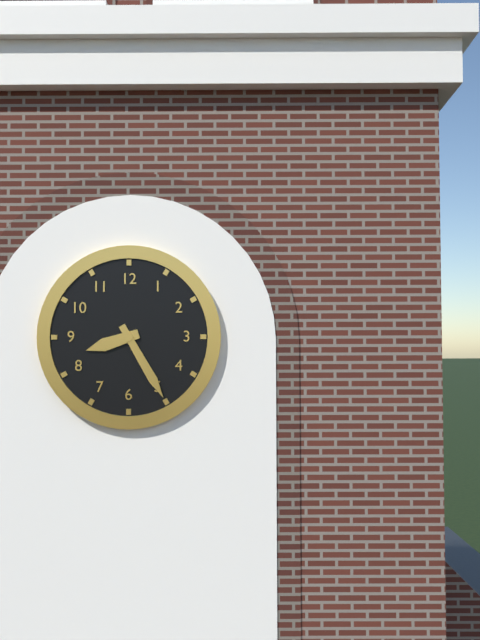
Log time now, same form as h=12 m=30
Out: h=8 m=25
